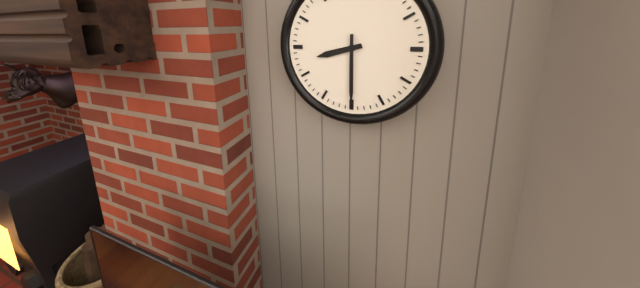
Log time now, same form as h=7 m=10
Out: h=8 m=30
